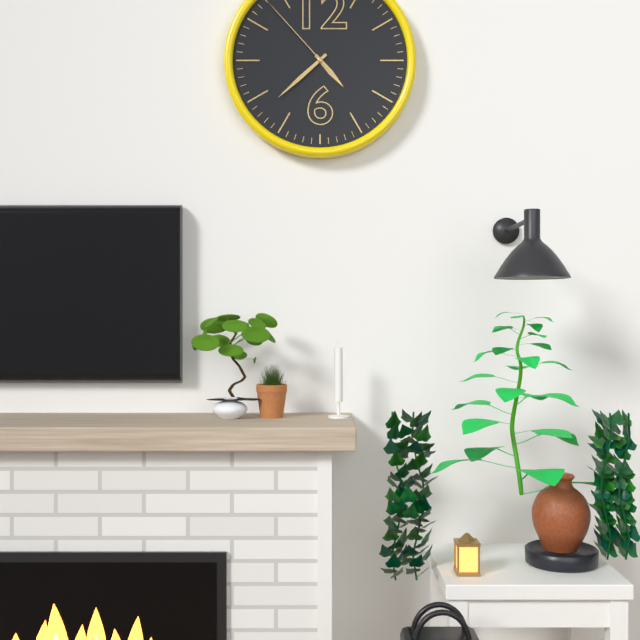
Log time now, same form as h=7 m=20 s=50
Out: h=4 m=38 s=53
